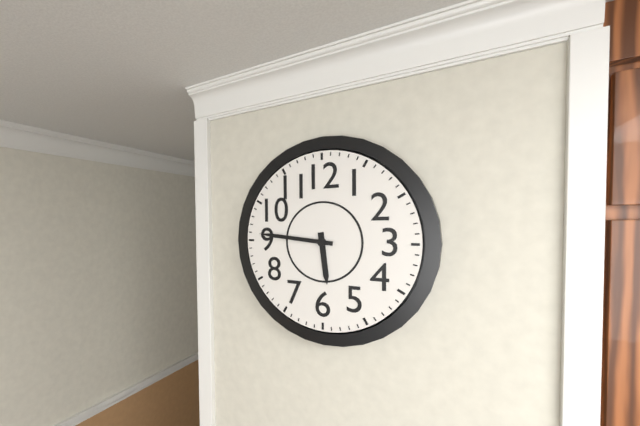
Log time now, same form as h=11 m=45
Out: h=5 m=46
